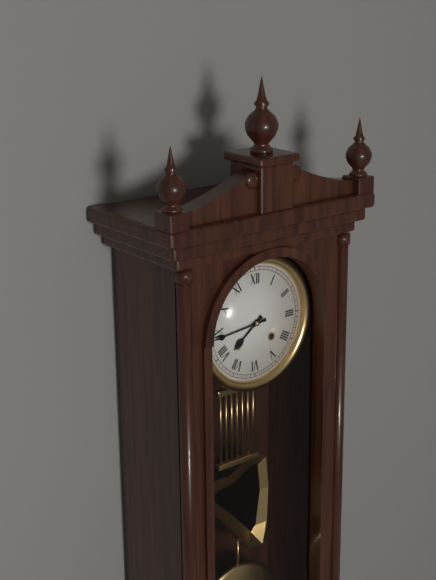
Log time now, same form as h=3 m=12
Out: h=7 m=44
